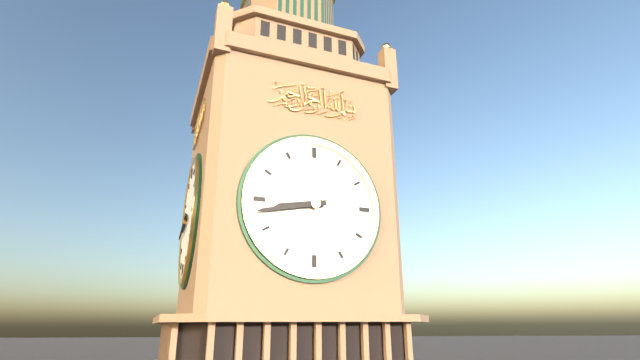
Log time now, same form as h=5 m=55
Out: h=8 m=43
